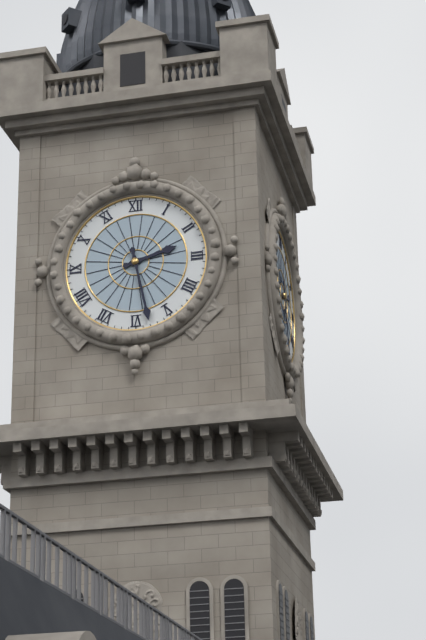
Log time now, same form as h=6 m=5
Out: h=2 m=28
